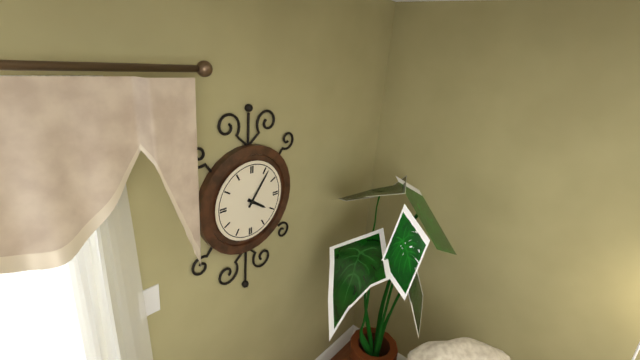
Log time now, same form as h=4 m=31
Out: h=4 m=6
